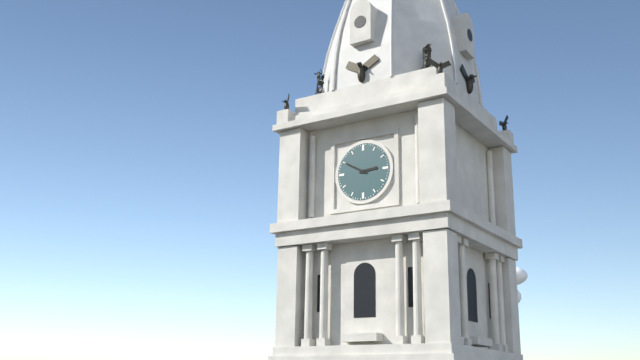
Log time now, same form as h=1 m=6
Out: h=2 m=50
